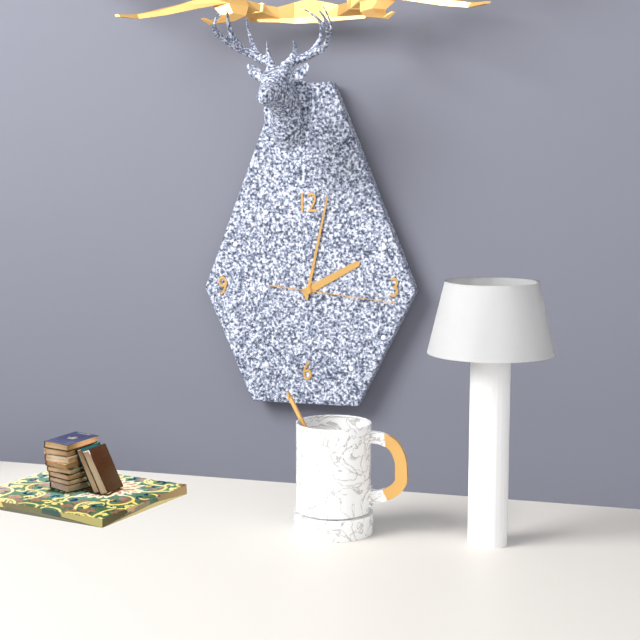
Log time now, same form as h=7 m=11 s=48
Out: h=2 m=2 s=16
